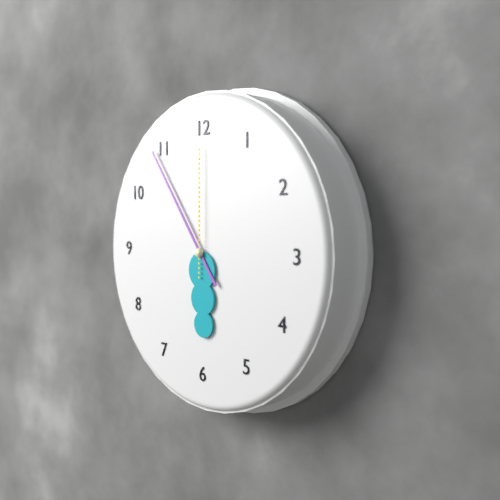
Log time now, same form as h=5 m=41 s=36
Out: h=5 m=54 s=0
